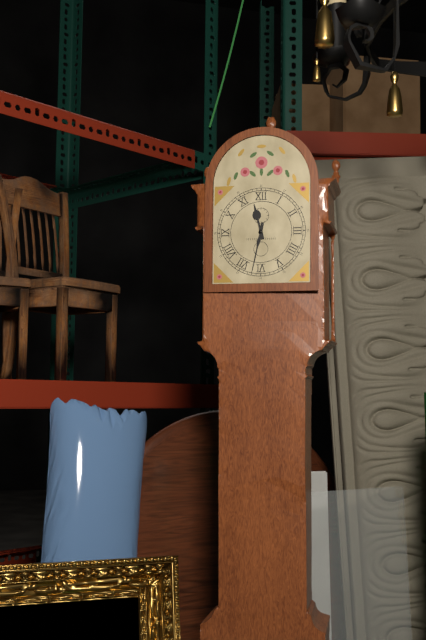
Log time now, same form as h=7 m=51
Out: h=11 m=32
